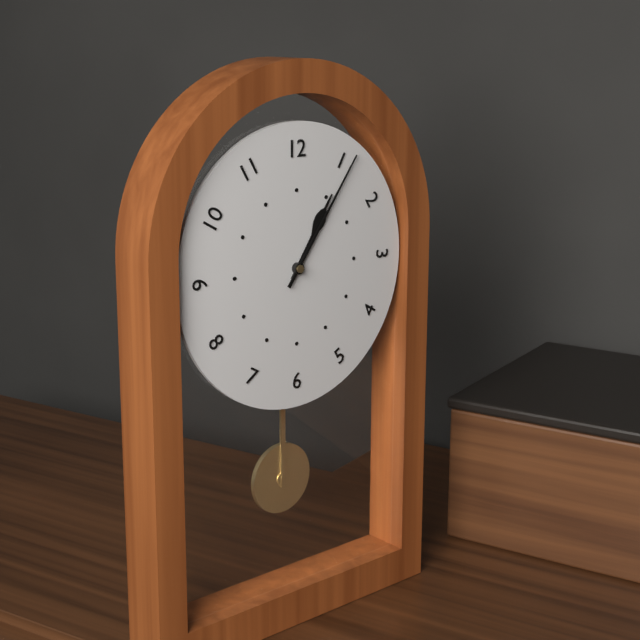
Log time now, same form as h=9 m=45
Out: h=1 m=6
